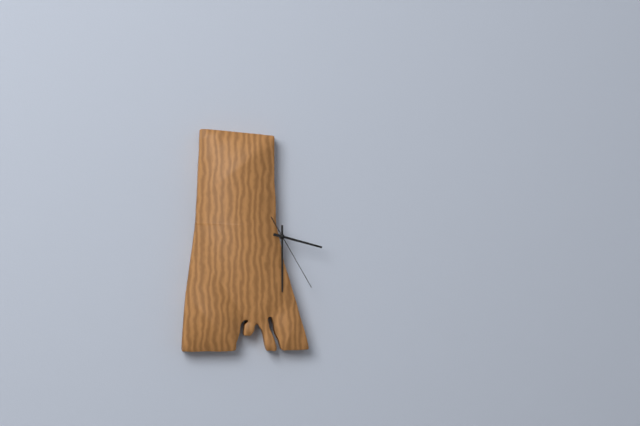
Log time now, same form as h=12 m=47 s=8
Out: h=3 m=30 s=25
